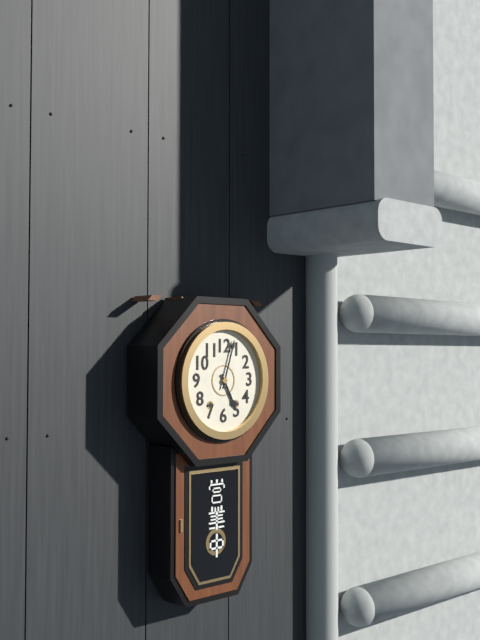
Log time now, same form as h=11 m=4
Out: h=5 m=3
